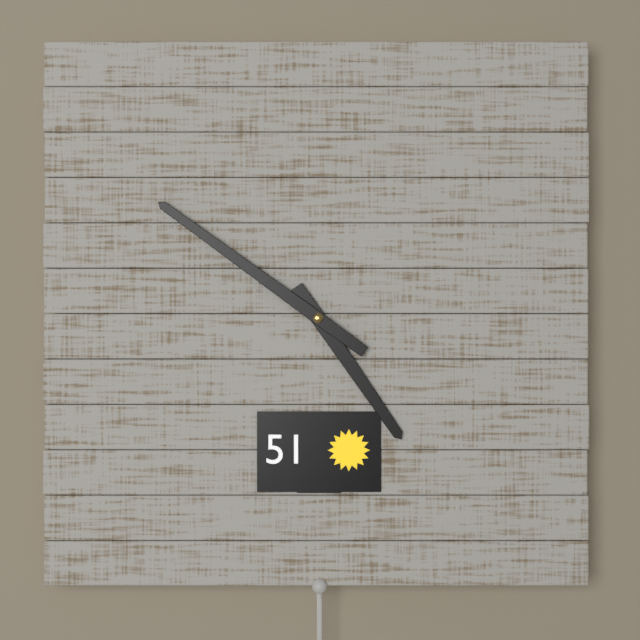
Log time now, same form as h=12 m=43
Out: h=4 m=51
